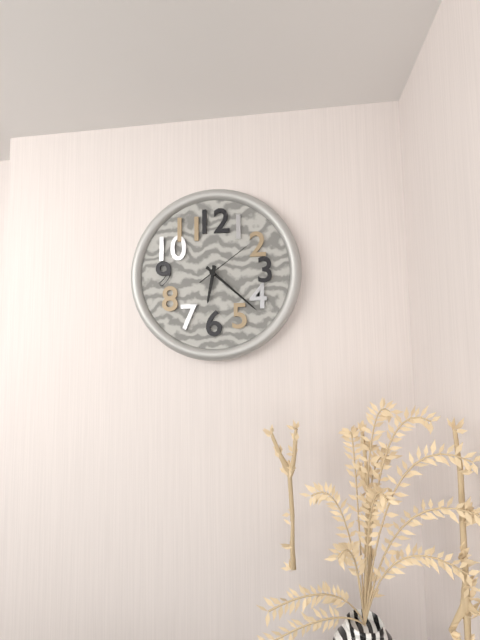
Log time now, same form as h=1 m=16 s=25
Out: h=6 m=22 s=9
